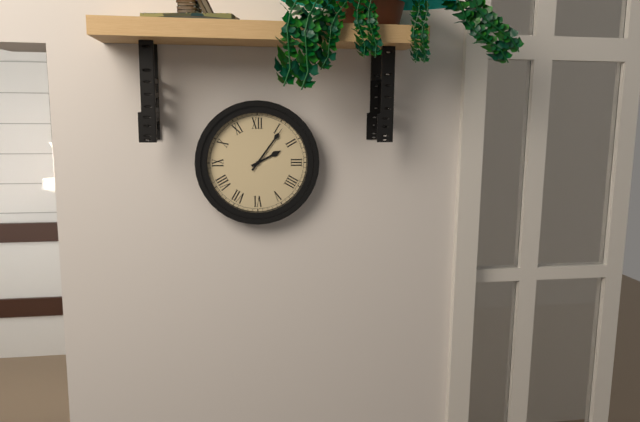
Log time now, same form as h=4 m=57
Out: h=2 m=6
